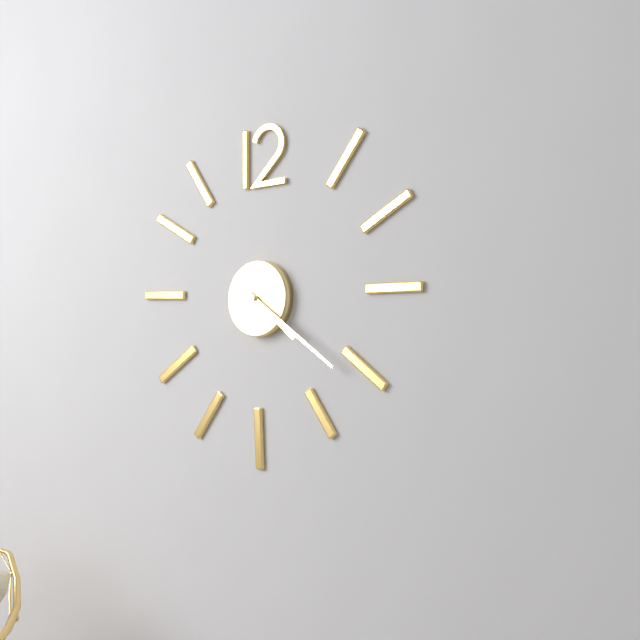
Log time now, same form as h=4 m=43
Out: h=4 m=21
